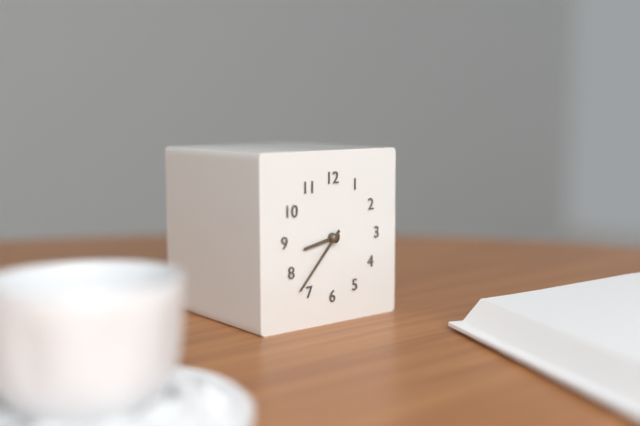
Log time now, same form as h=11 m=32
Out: h=8 m=37
